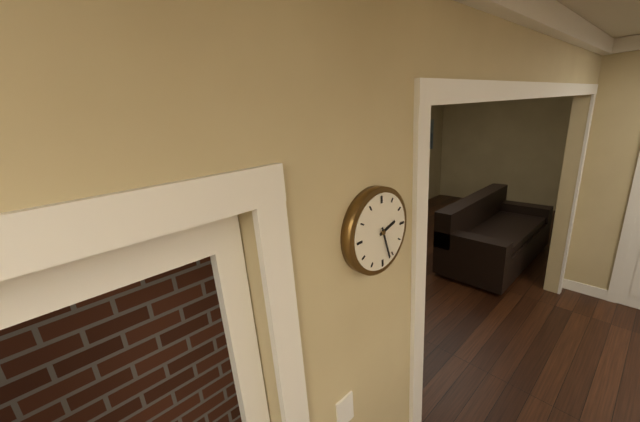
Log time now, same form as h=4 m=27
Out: h=2 m=27
